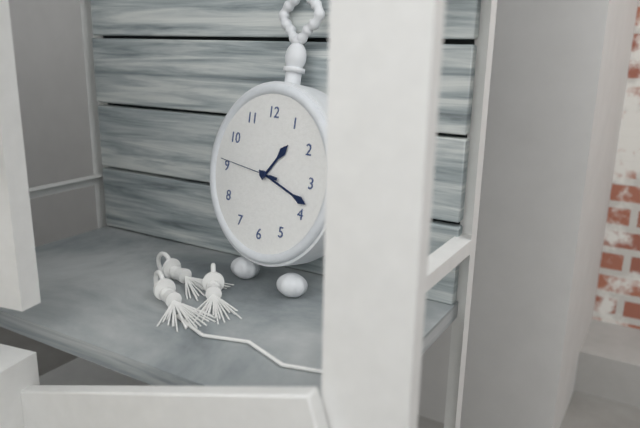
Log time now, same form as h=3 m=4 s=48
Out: h=1 m=18 s=46
